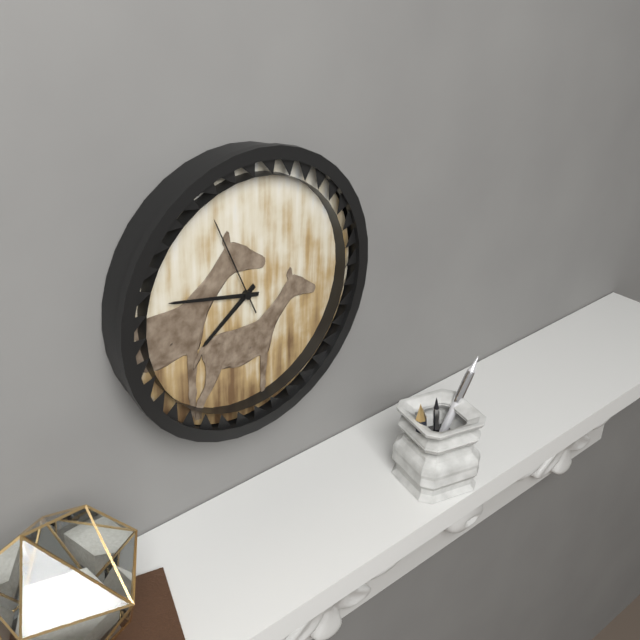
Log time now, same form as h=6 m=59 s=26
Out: h=7 m=47 s=56
